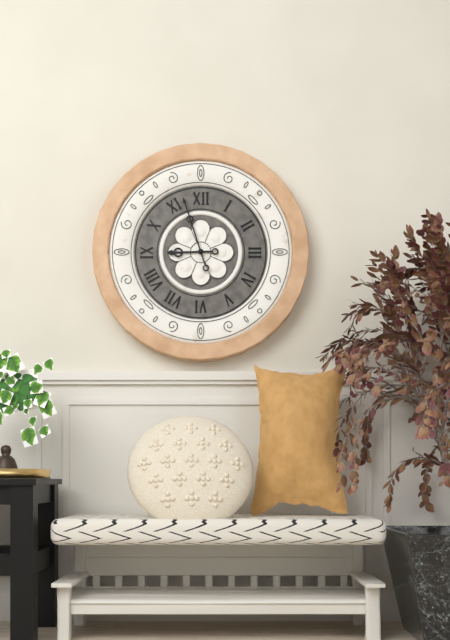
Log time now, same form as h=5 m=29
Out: h=8 m=57
